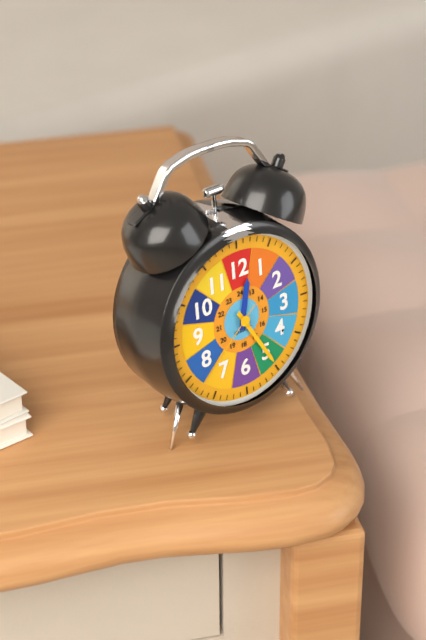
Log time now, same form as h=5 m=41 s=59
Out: h=12 m=25 s=38
